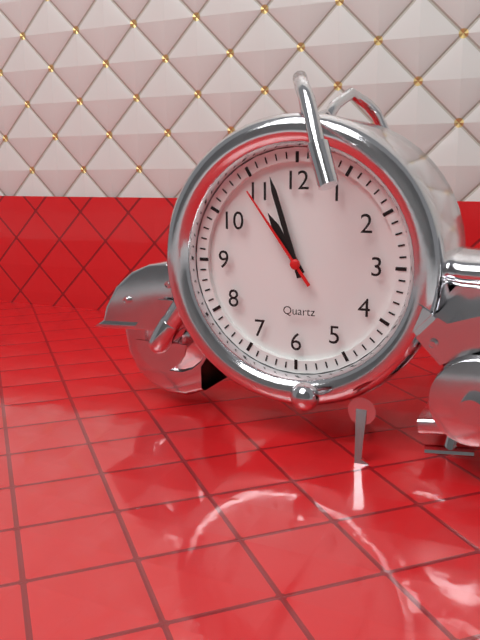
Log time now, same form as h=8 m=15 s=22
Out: h=10 m=57 s=54
